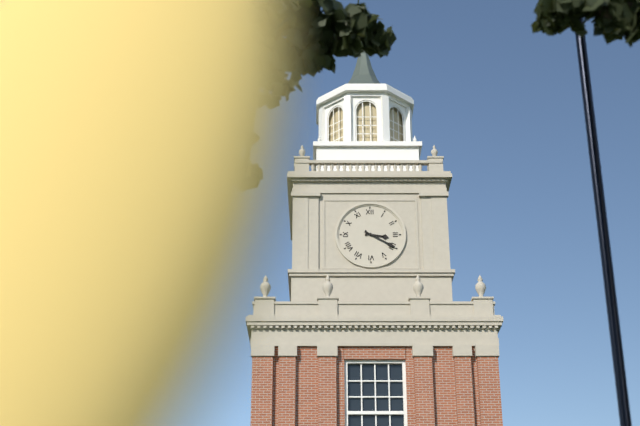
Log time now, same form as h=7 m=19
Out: h=3 m=20
